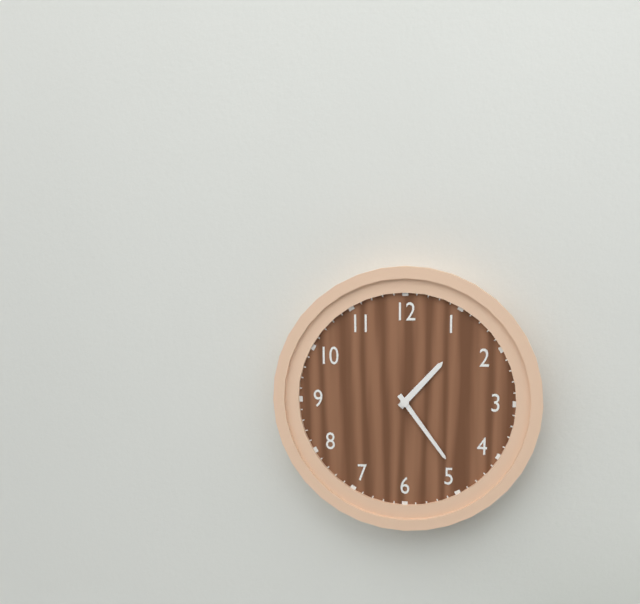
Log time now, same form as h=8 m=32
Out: h=1 m=24
